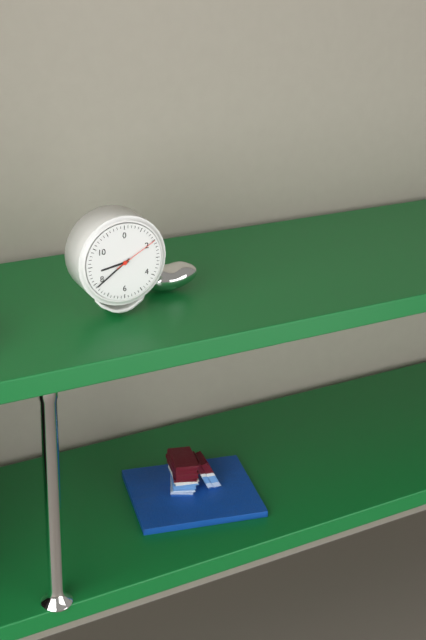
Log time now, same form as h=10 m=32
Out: h=8 m=39
